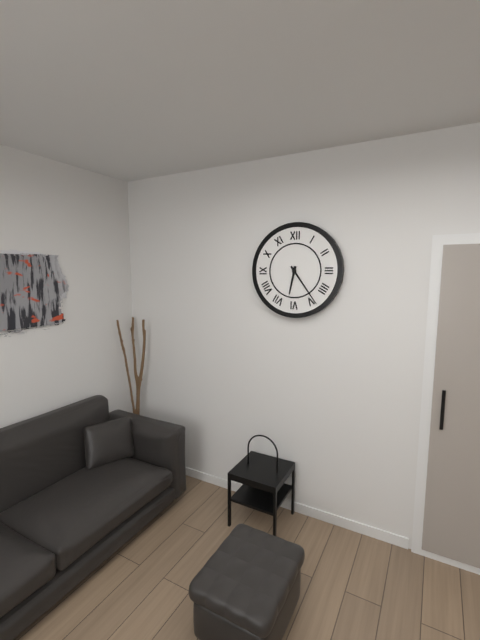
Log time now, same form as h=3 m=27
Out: h=6 m=24
